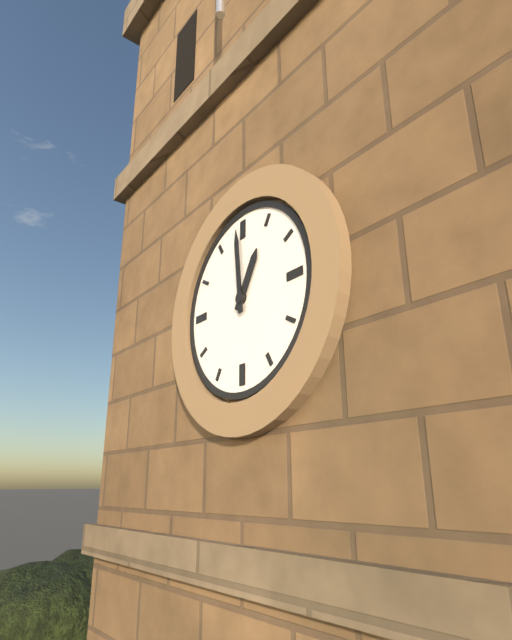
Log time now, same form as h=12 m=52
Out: h=12 m=59
